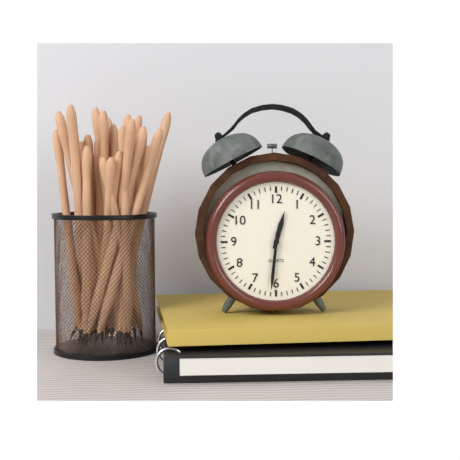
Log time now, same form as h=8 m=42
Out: h=12 m=31
